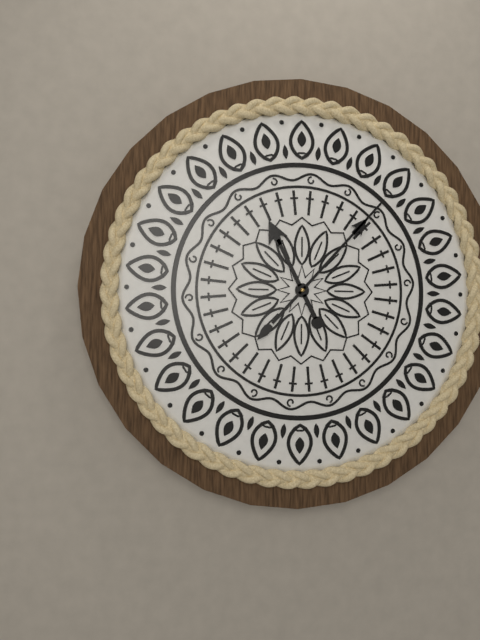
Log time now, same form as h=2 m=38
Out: h=11 m=7
